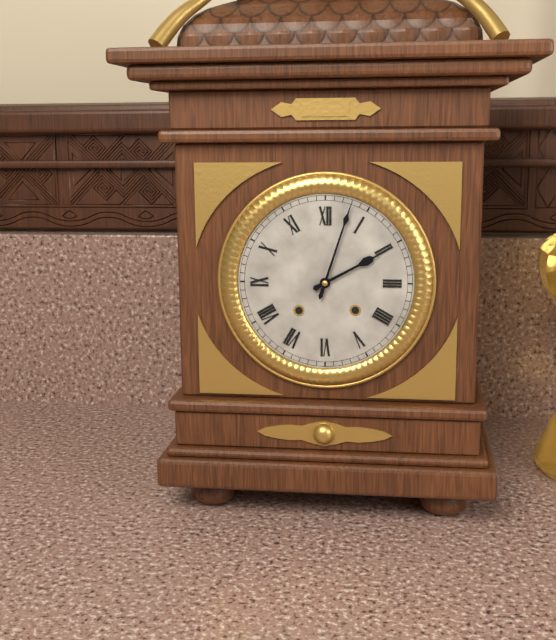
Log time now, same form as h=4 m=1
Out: h=2 m=3
